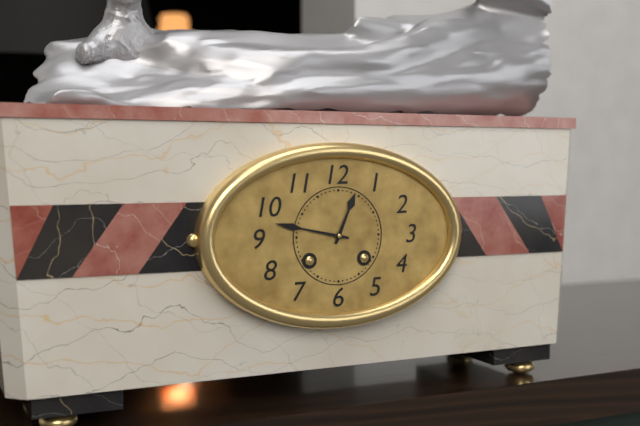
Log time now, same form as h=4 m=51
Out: h=12 m=47
